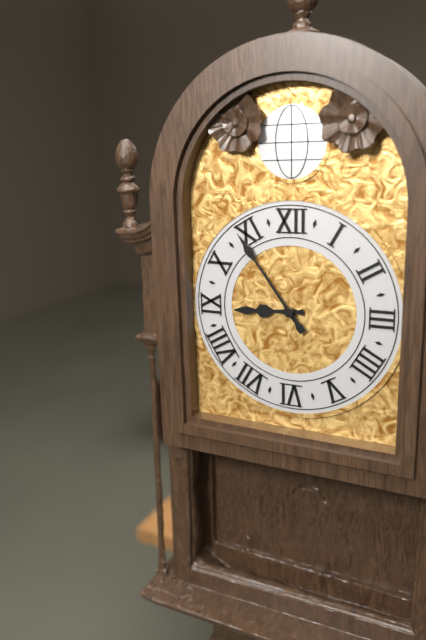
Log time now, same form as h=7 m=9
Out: h=8 m=54
